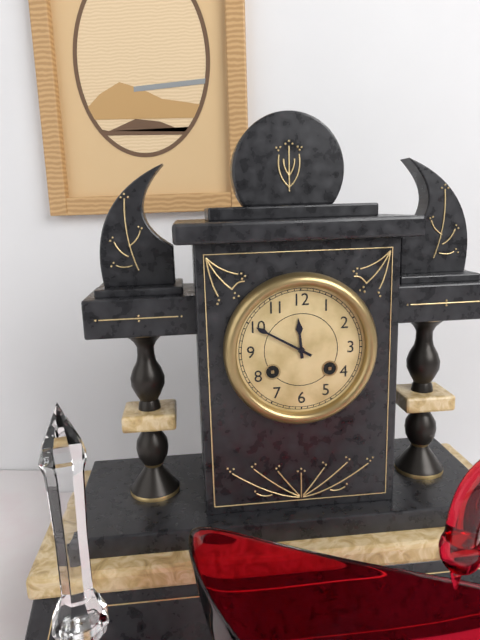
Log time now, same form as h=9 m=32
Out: h=11 m=50
